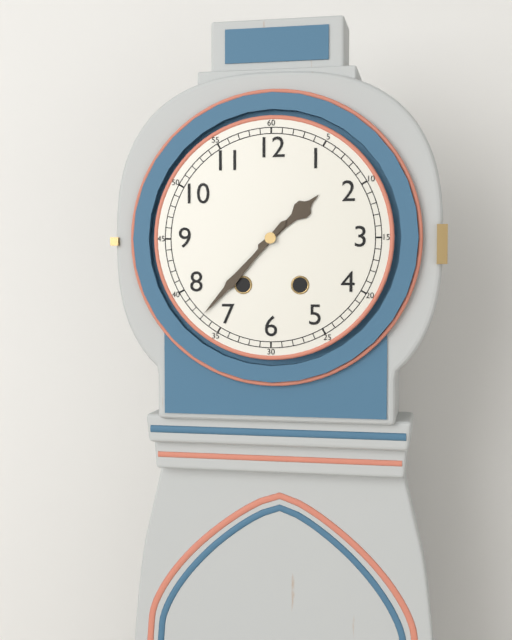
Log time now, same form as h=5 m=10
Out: h=1 m=37
